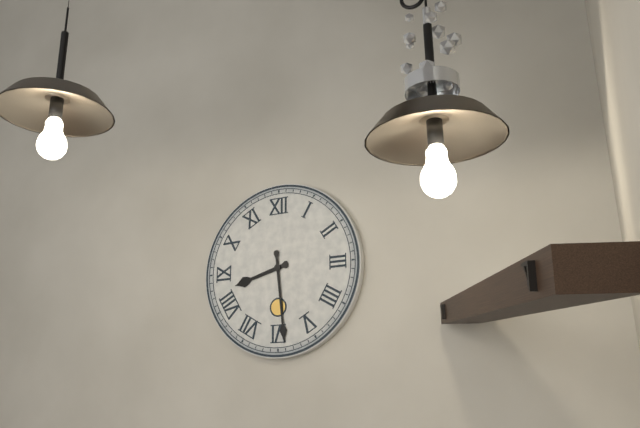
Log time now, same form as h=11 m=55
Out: h=8 m=29
